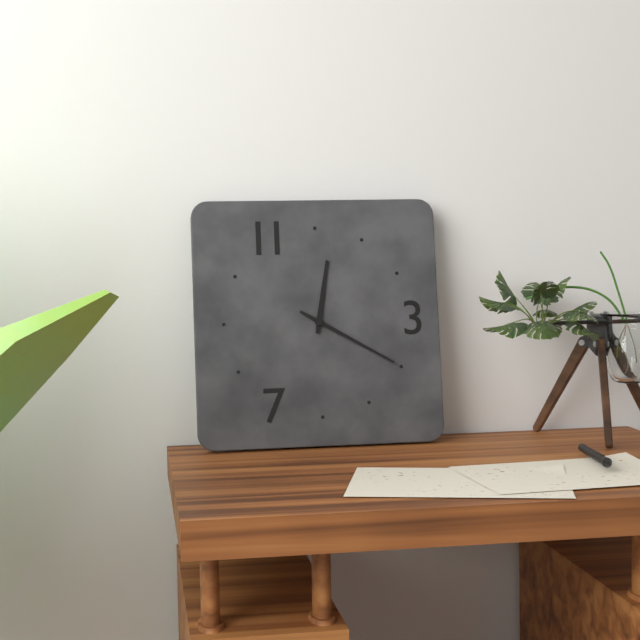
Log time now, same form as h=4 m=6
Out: h=12 m=20
